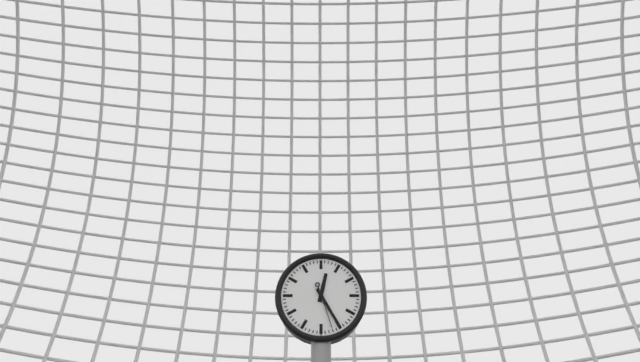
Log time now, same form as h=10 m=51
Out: h=12 m=25
